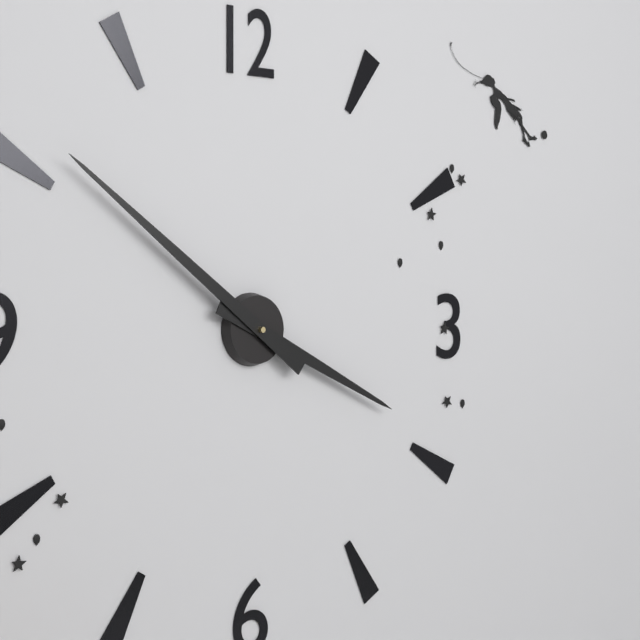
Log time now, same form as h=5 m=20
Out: h=3 m=51
